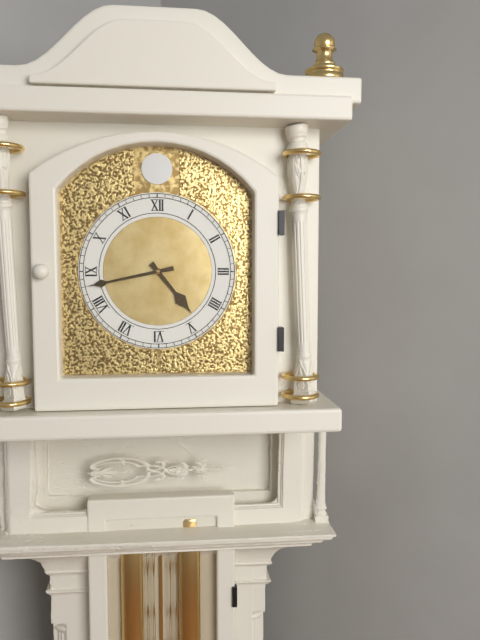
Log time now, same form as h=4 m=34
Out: h=4 m=43
